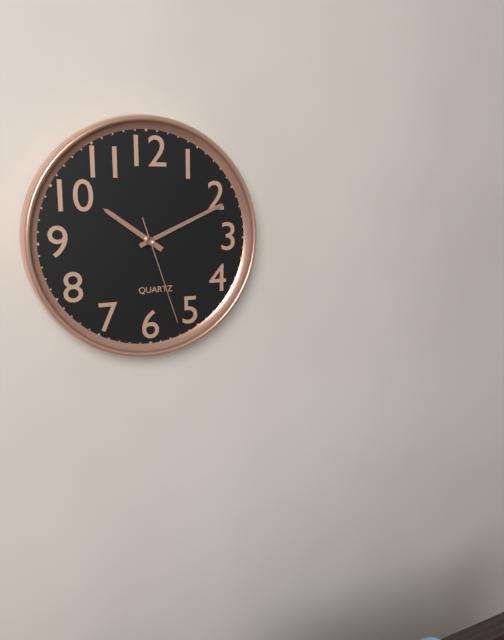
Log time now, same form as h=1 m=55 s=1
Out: h=10 m=11 s=27
